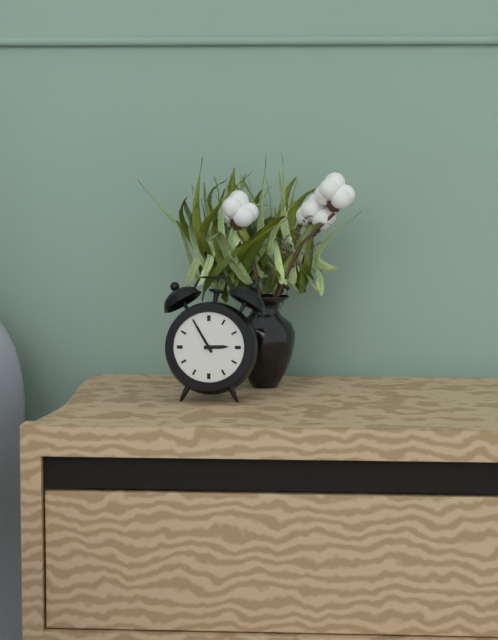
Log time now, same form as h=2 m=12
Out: h=2 m=55
